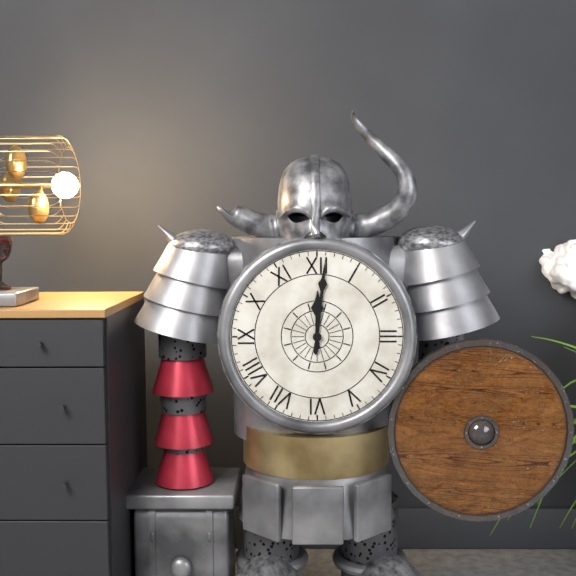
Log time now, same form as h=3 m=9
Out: h=12 m=1
